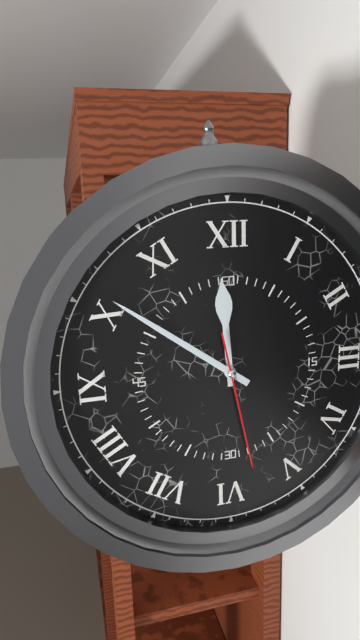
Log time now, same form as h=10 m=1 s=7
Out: h=11 m=51 s=28
